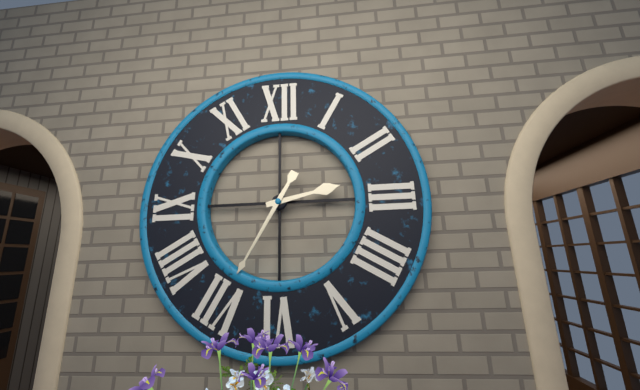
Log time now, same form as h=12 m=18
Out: h=2 m=35
